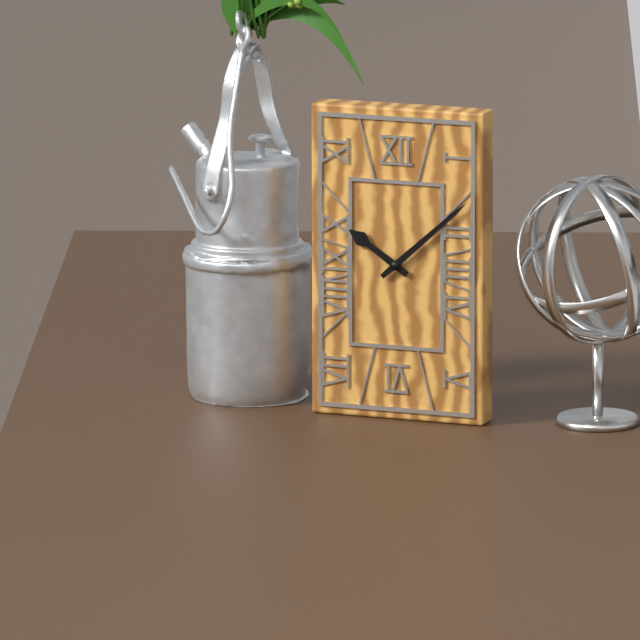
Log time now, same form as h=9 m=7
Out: h=10 m=8
